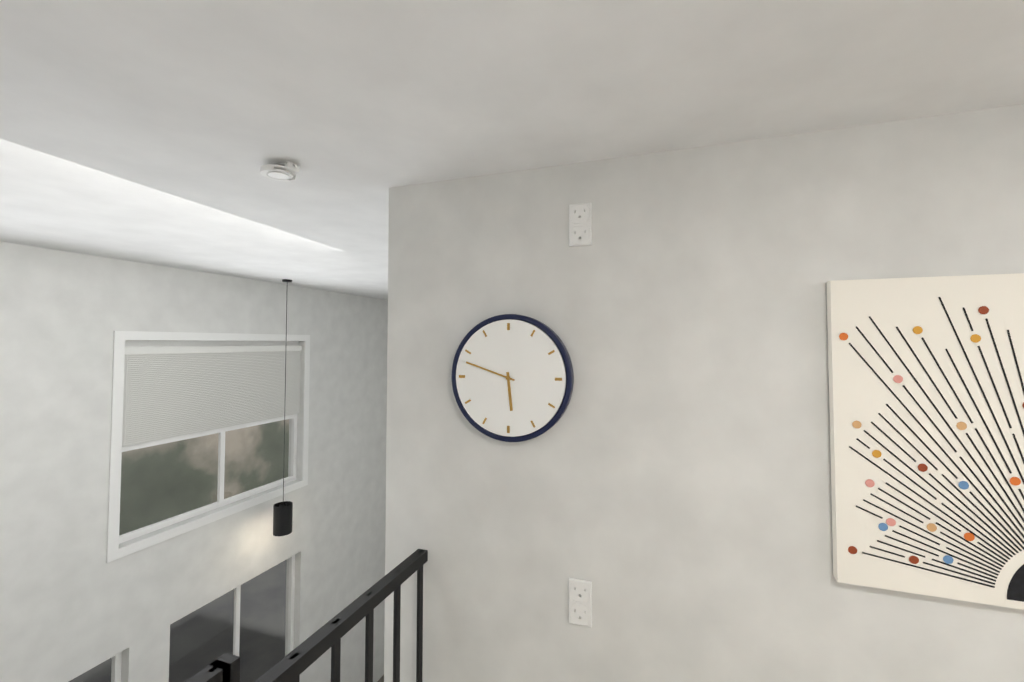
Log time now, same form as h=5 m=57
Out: h=5 m=48
